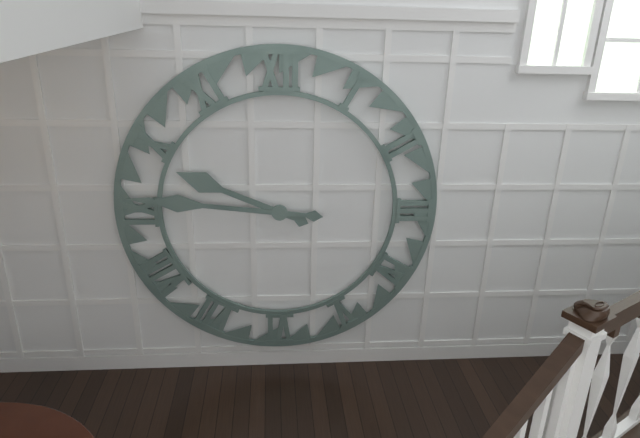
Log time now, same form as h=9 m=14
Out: h=9 m=46
